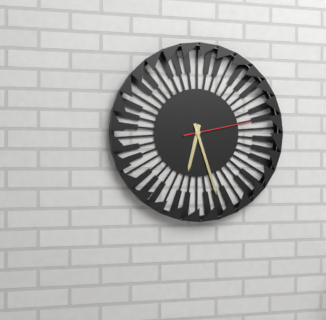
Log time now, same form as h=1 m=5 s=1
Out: h=6 m=27 s=13
